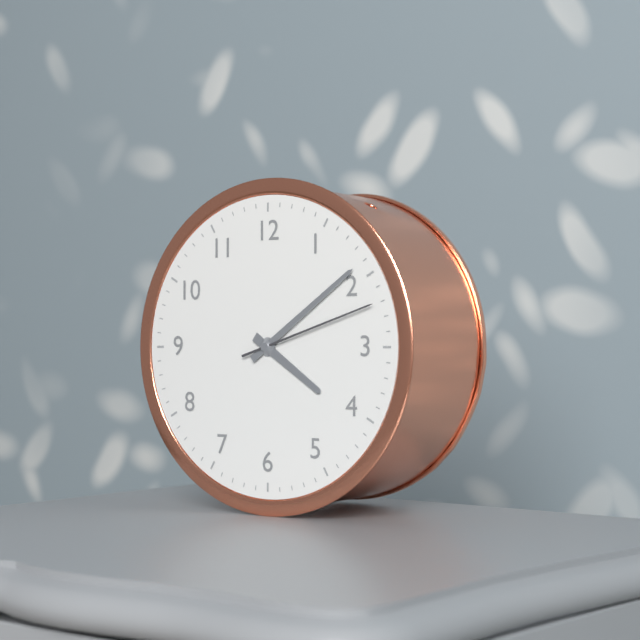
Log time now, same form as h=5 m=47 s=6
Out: h=4 m=9 s=12
